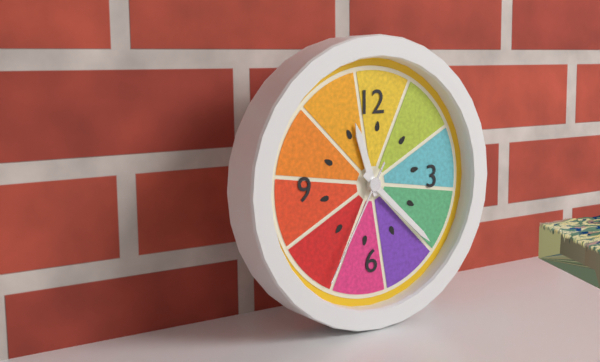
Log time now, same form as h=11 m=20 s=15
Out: h=11 m=22 s=35
